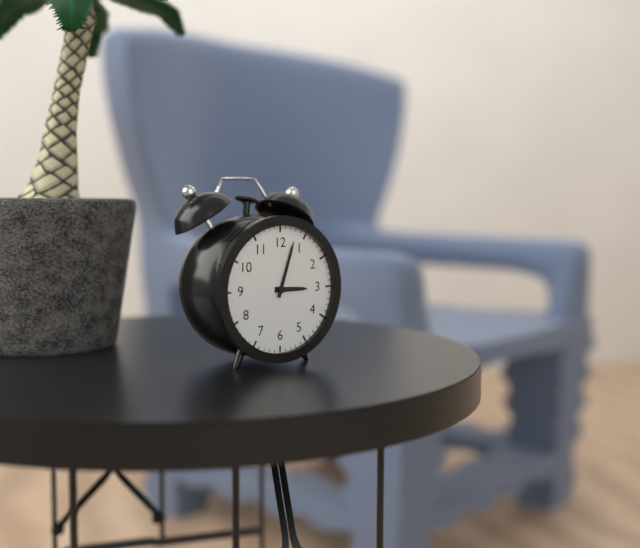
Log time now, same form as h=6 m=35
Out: h=3 m=3
